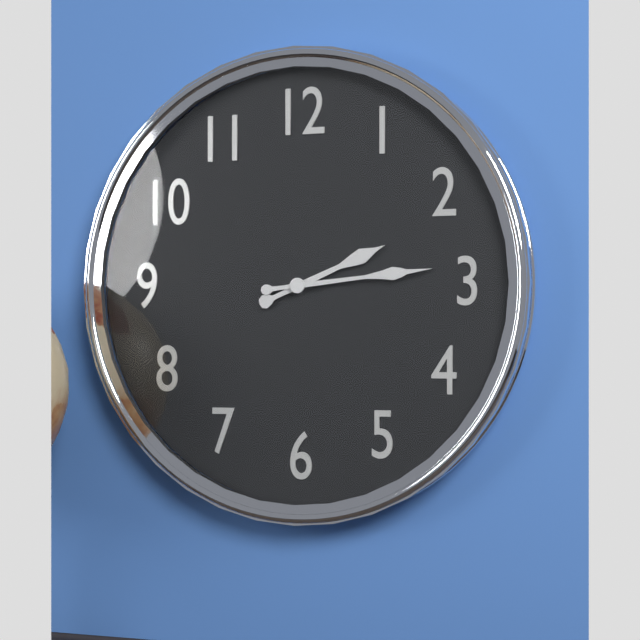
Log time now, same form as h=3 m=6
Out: h=2 m=14
